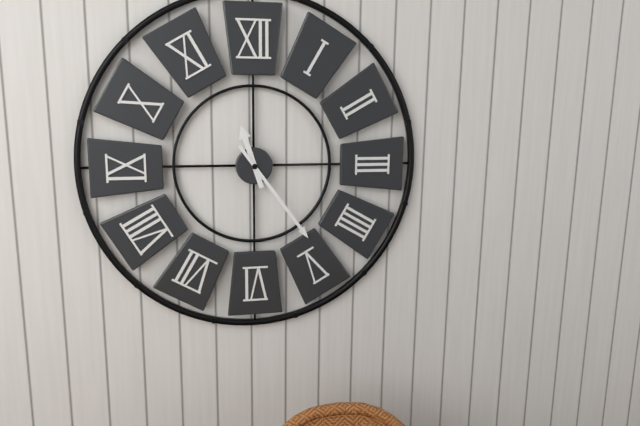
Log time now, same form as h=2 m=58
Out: h=11 m=24
